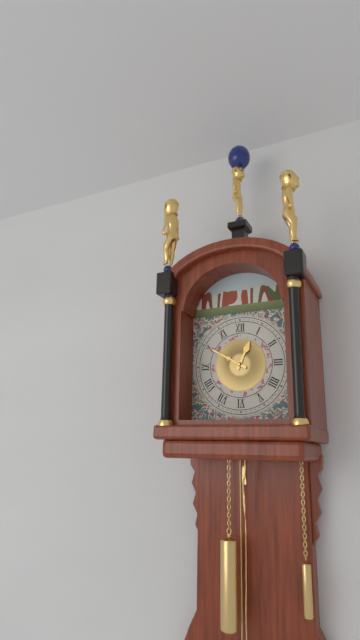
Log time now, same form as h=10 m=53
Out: h=12 m=50
